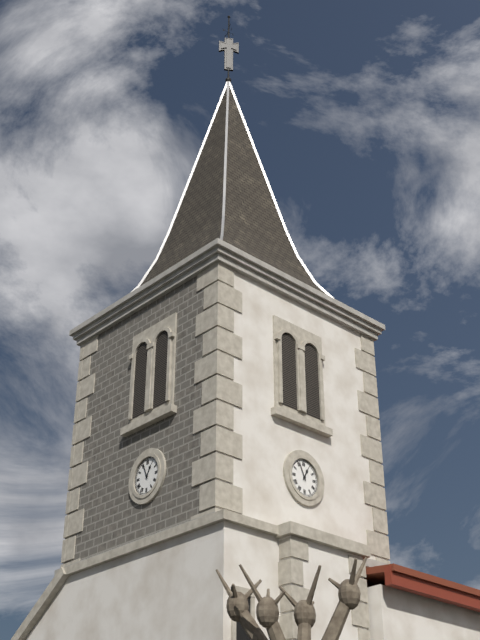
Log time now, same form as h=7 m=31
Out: h=12 m=56
